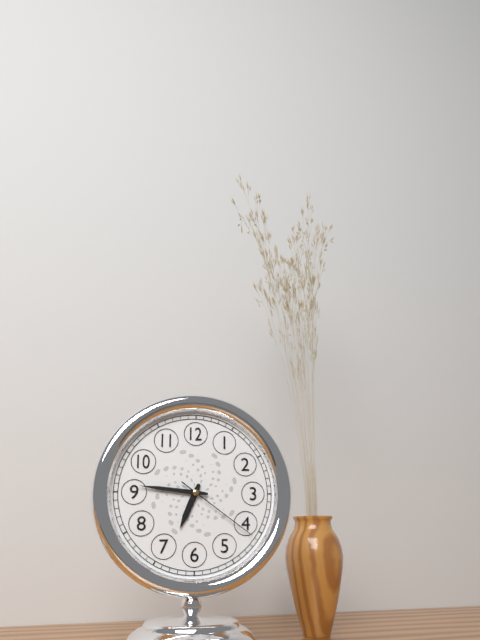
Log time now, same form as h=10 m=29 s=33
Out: h=6 m=46 s=21
